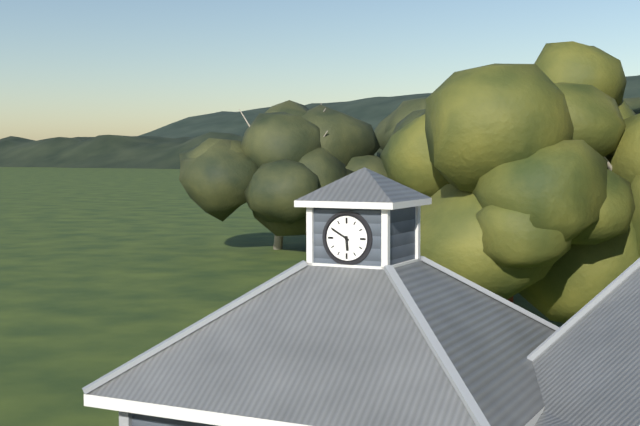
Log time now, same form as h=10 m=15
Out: h=5 m=50
